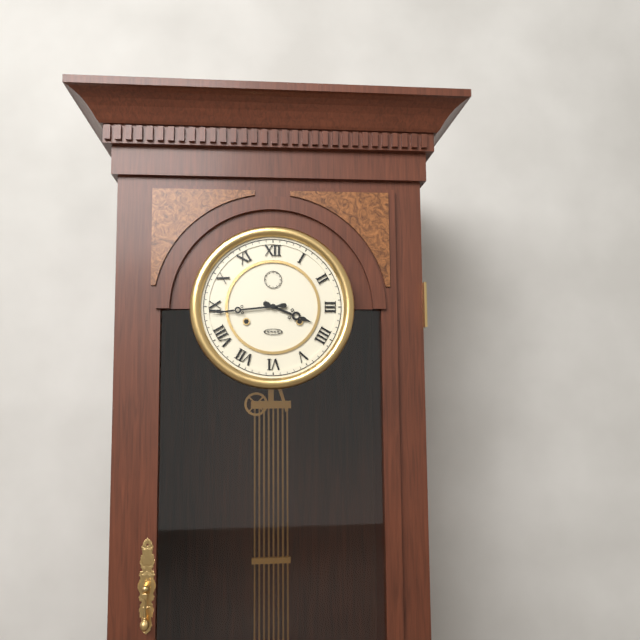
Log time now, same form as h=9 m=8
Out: h=3 m=44
